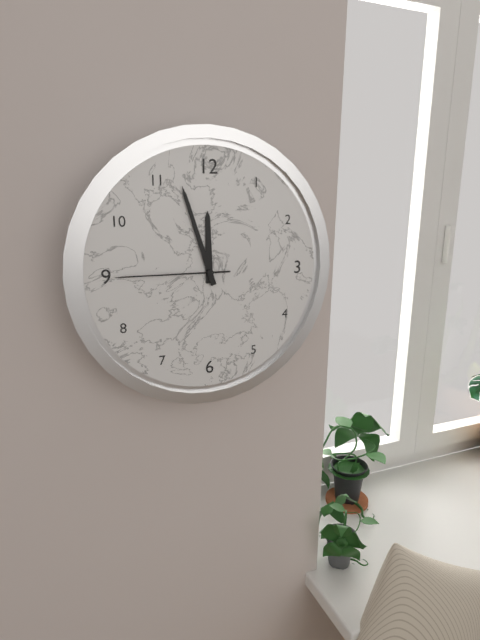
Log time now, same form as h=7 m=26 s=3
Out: h=11 m=57 s=45
